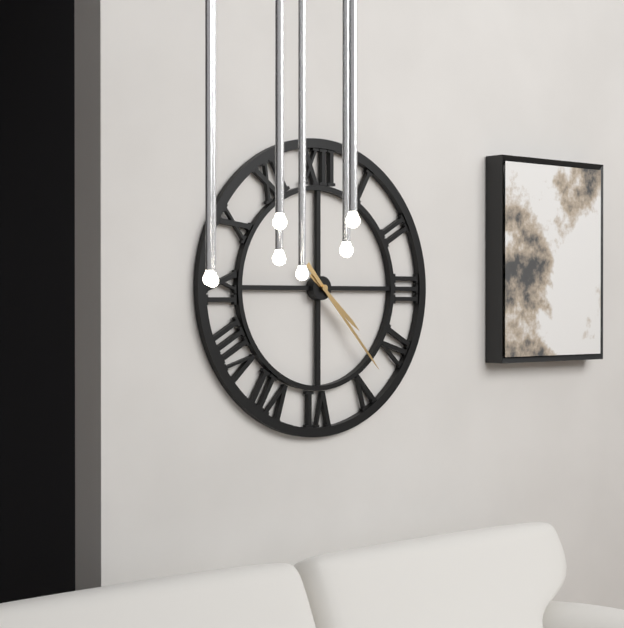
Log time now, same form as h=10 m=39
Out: h=4 m=23
